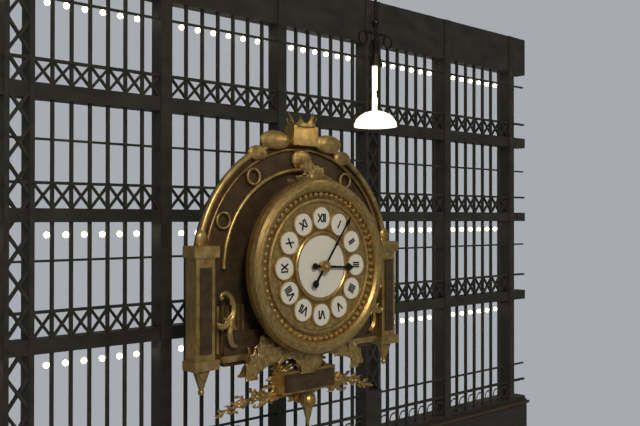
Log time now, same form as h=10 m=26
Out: h=3 m=6
